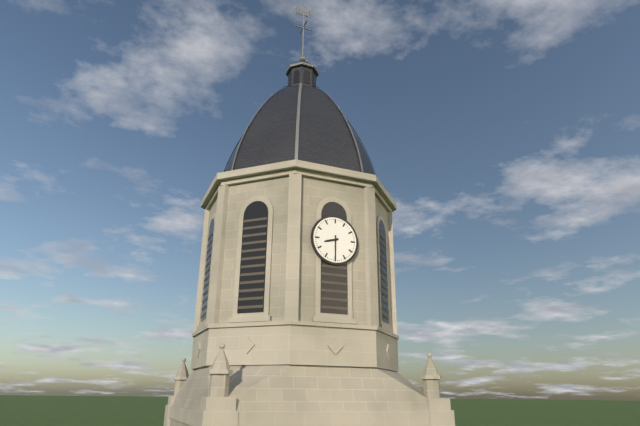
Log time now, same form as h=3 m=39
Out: h=8 m=30
